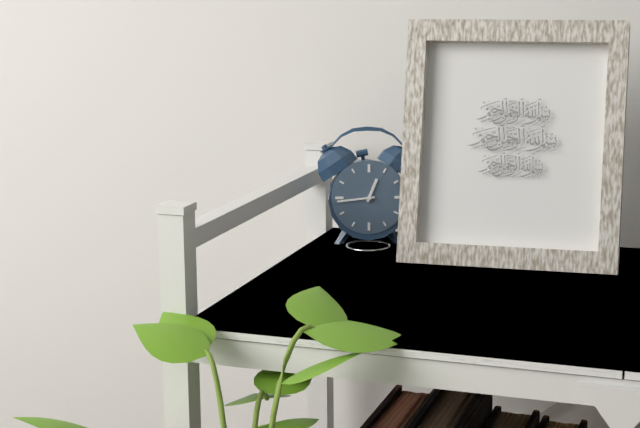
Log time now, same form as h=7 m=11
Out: h=12 m=44
